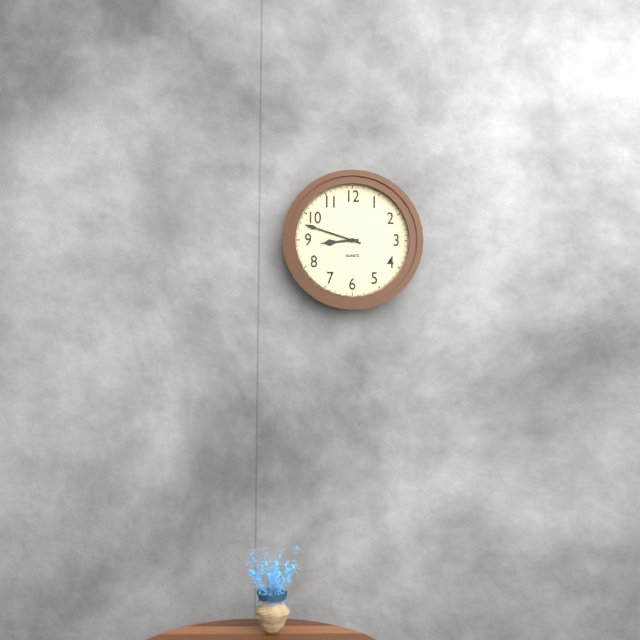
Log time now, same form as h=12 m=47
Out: h=8 m=48
